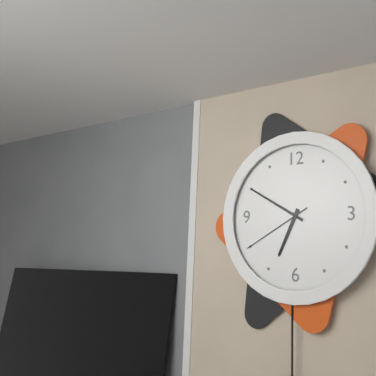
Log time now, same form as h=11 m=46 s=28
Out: h=6 m=50 s=40
